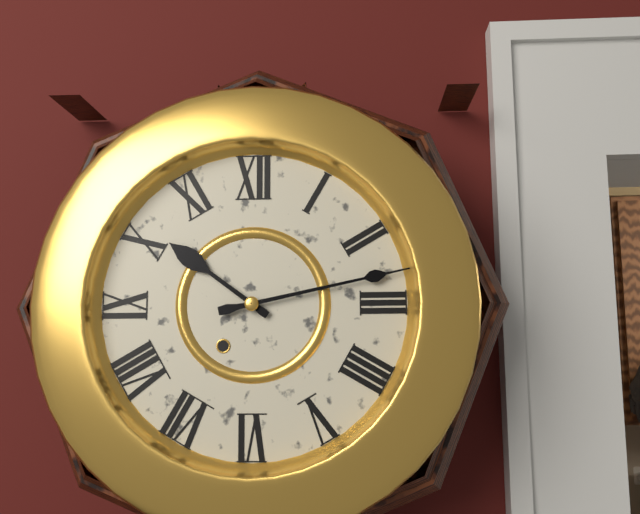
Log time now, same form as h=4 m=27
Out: h=10 m=13
